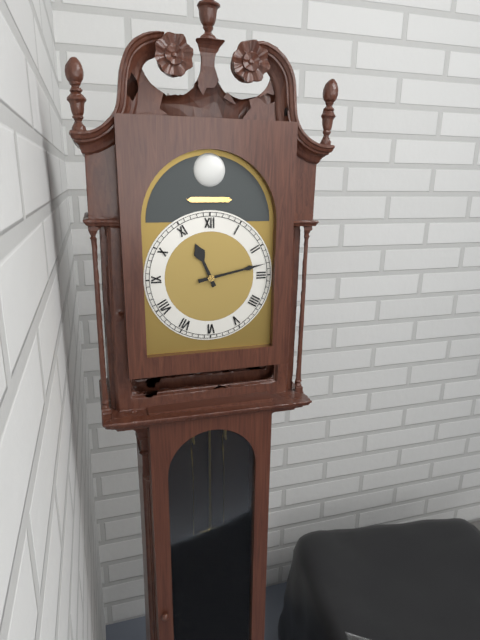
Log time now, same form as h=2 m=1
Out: h=11 m=13
